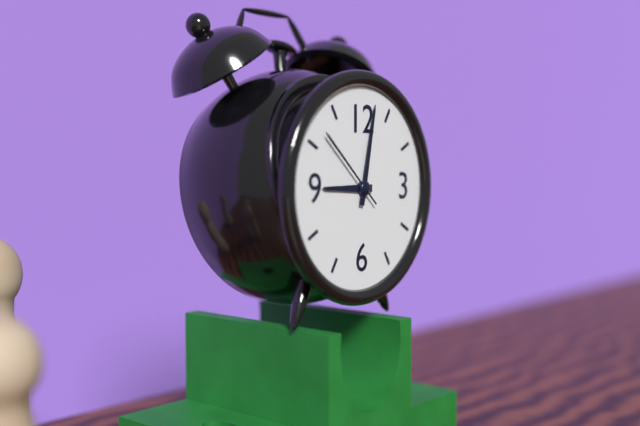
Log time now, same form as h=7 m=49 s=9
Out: h=9 m=2 s=52
